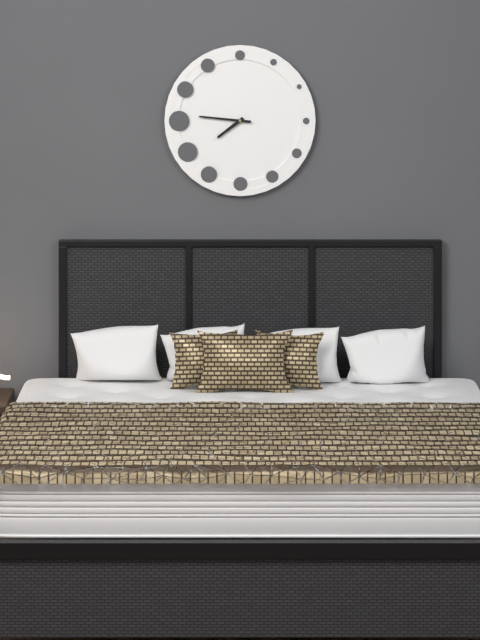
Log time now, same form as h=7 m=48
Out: h=7 m=46
